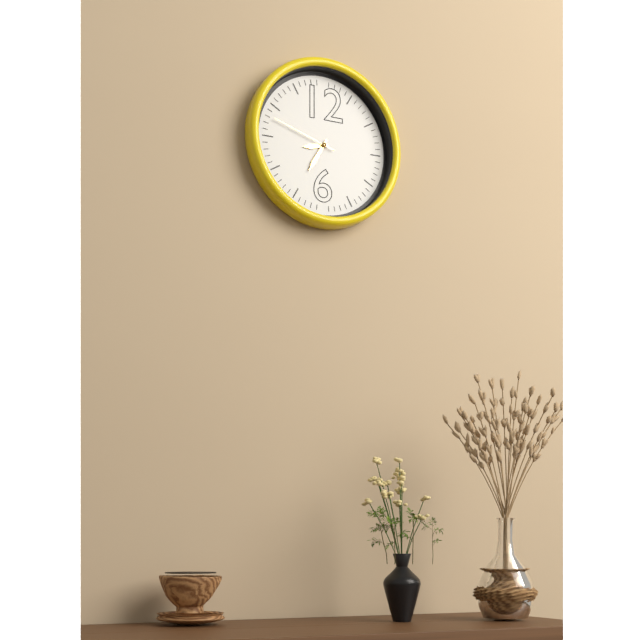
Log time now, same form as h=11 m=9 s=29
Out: h=8 m=35 s=48
